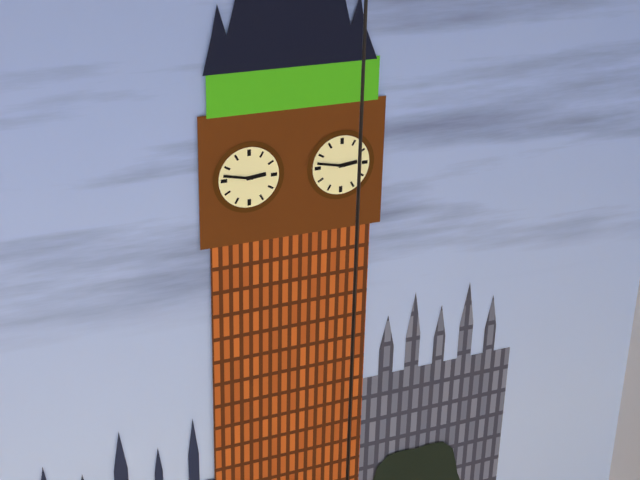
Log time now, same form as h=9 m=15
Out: h=2 m=47
